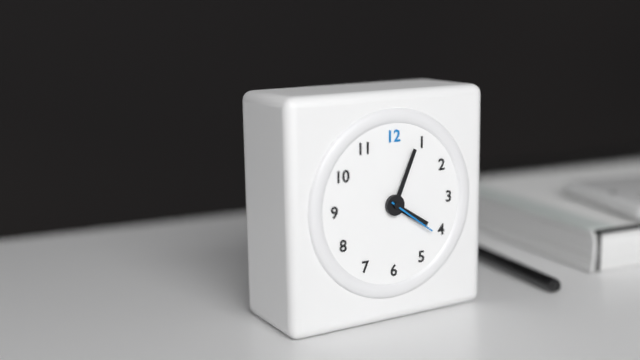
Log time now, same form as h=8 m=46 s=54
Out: h=4 m=4 s=21
